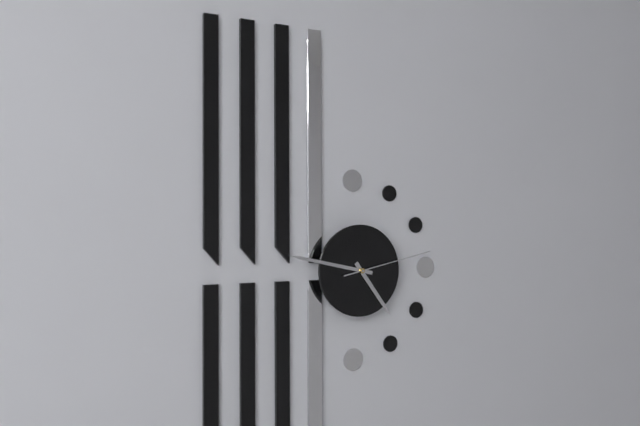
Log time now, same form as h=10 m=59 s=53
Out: h=4 m=47 s=13
